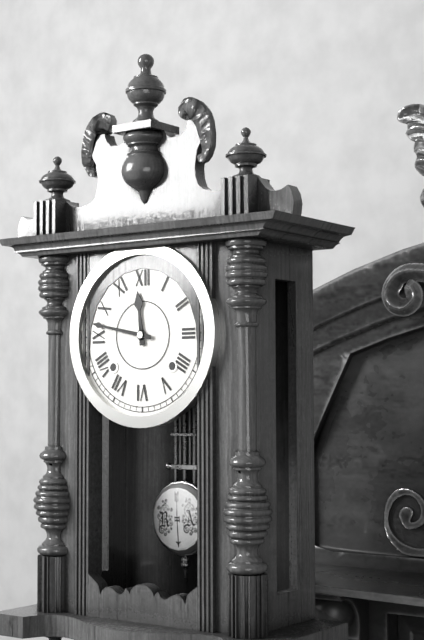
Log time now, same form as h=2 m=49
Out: h=11 m=47
